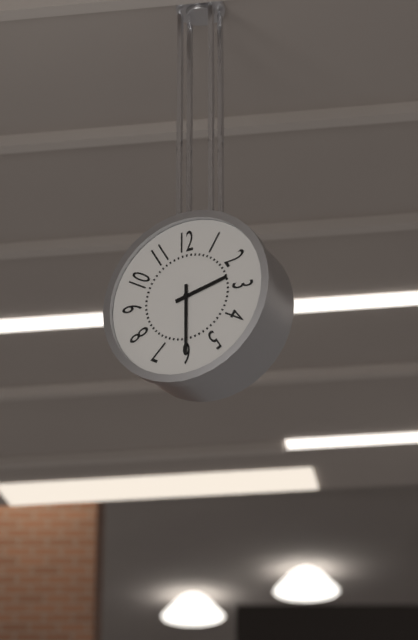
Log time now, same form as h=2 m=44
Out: h=2 m=30
